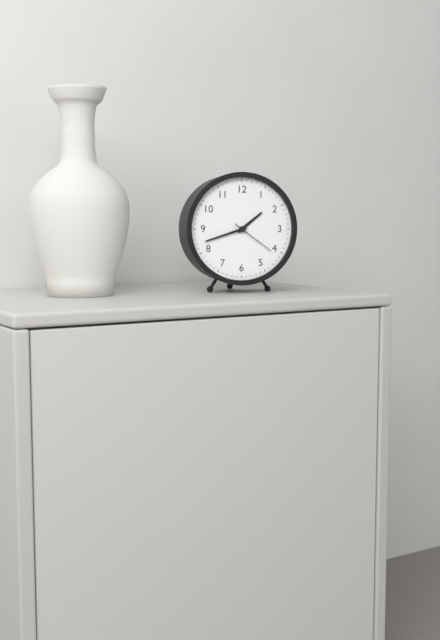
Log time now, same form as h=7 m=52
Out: h=1 m=42
